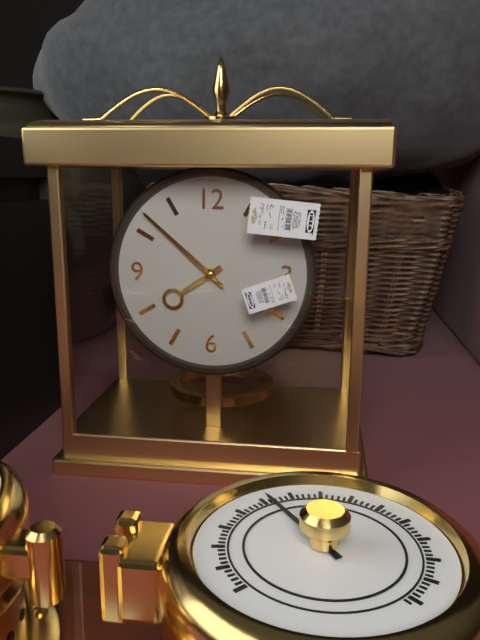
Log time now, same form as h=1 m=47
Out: h=7 m=52
